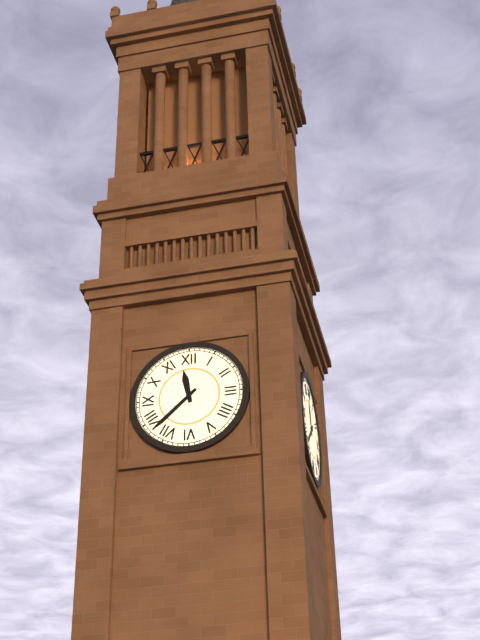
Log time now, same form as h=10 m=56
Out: h=11 m=38
